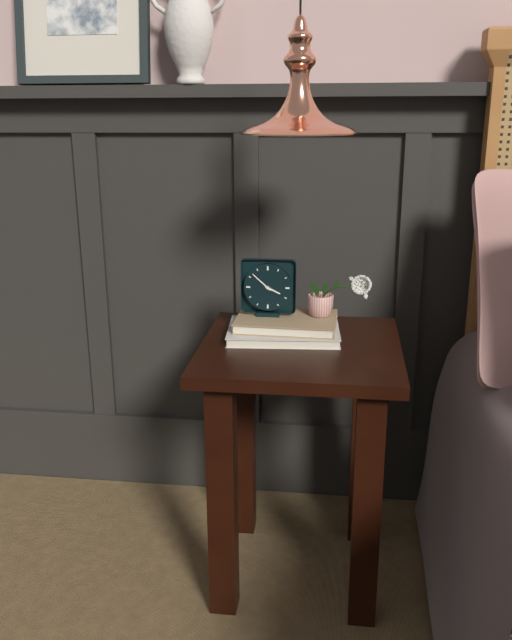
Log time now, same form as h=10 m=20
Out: h=3 m=52
